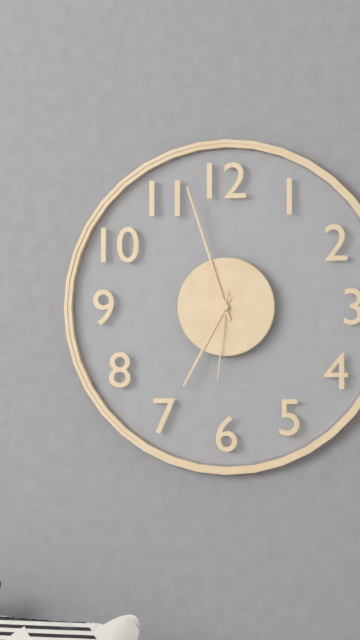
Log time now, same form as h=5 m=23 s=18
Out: h=6 m=57 s=31
